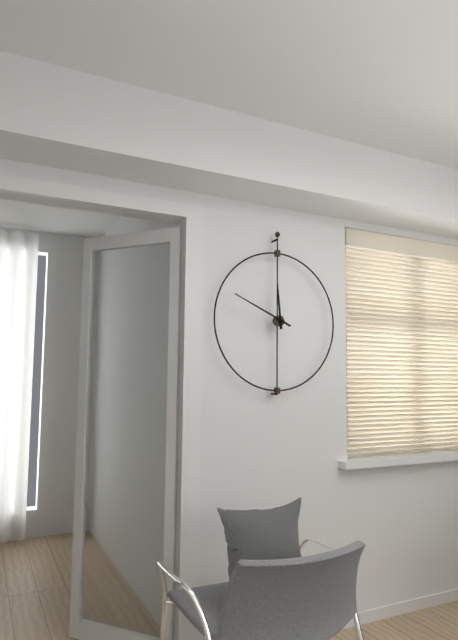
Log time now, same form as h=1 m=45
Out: h=11 m=49
